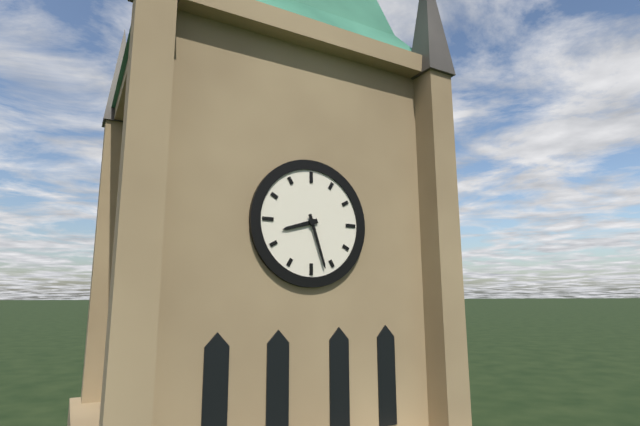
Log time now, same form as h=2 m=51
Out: h=8 m=27
